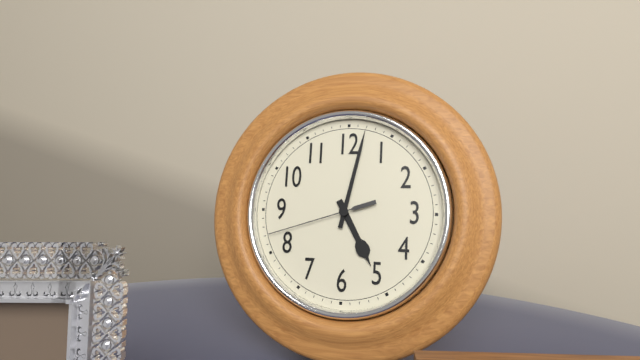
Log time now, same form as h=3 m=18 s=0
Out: h=5 m=2 s=42
